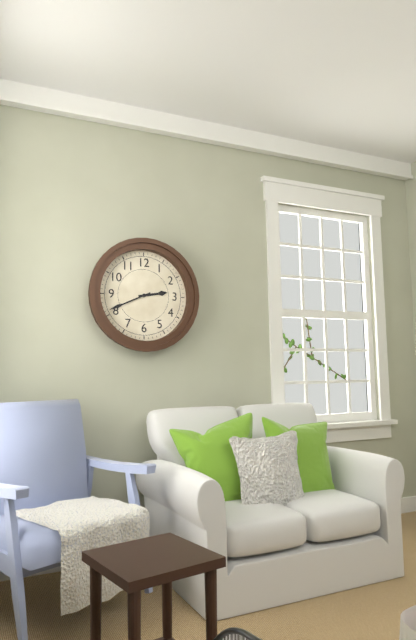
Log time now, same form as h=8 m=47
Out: h=2 m=41
